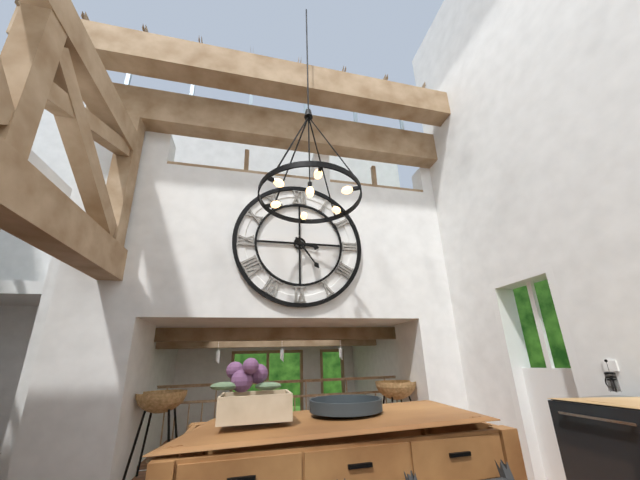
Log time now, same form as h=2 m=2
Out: h=3 m=24
